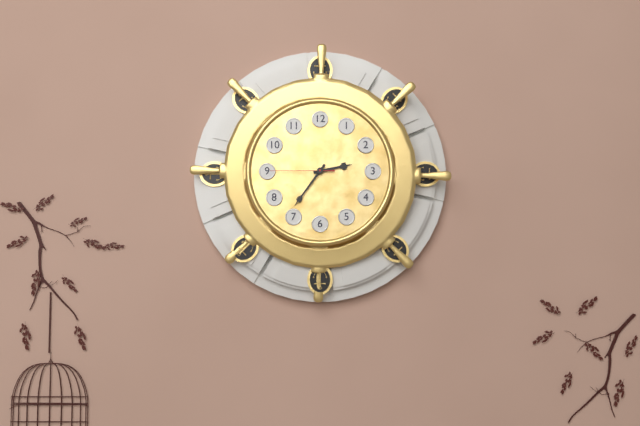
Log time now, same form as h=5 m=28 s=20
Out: h=2 m=36 s=45
